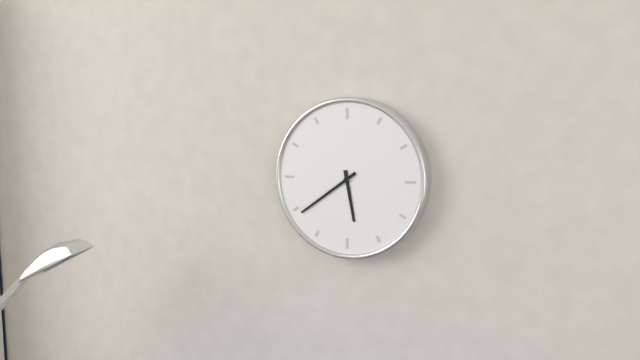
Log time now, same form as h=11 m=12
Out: h=5 m=39
